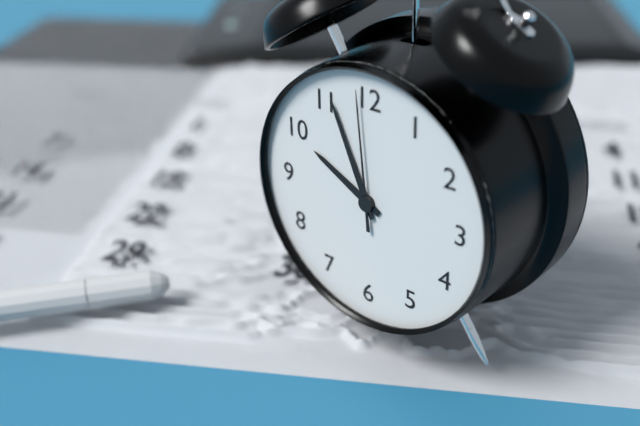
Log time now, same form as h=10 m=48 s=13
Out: h=9 m=56 s=59
